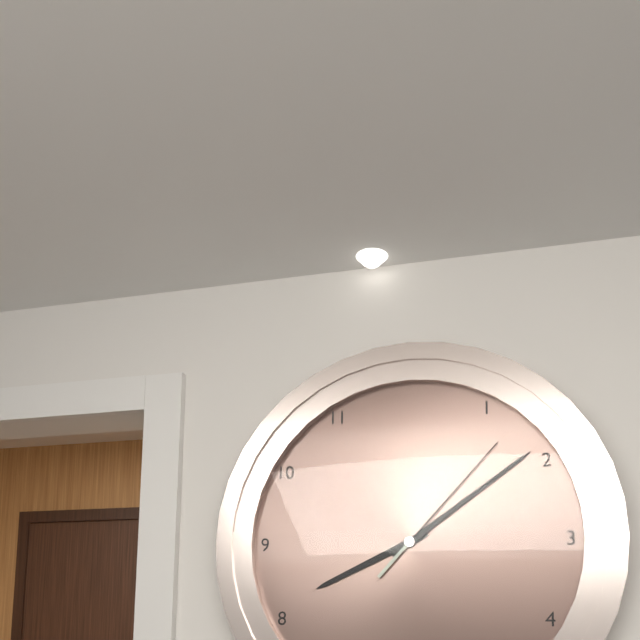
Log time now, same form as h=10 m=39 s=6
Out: h=8 m=9 s=7
